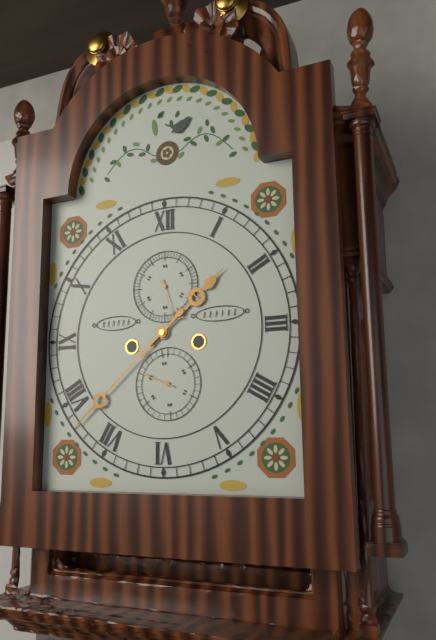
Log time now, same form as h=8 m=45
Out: h=1 m=38
